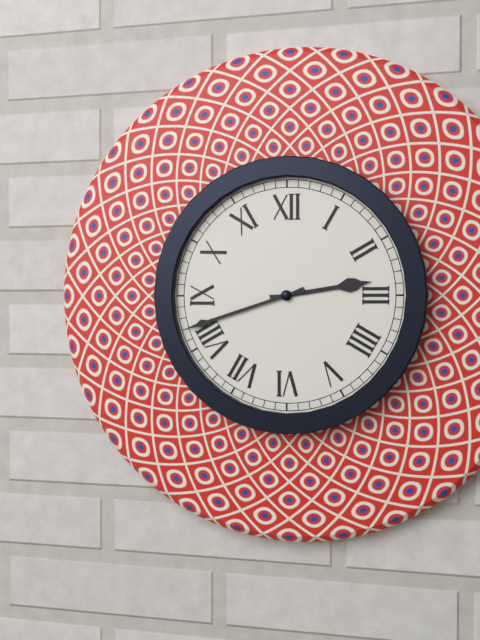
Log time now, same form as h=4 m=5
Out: h=2 m=42
